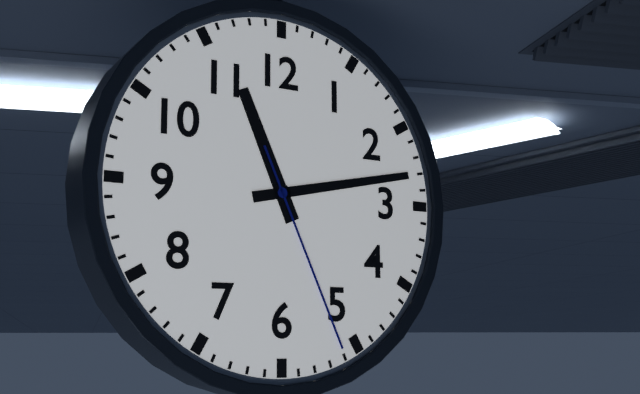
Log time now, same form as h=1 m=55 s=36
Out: h=11 m=13 s=26
